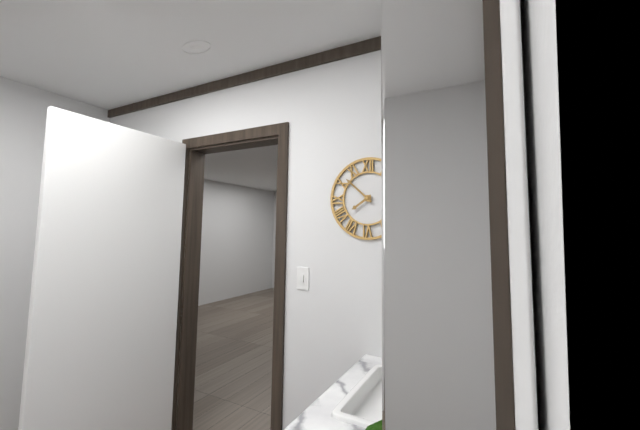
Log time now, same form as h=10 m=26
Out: h=7 m=52
